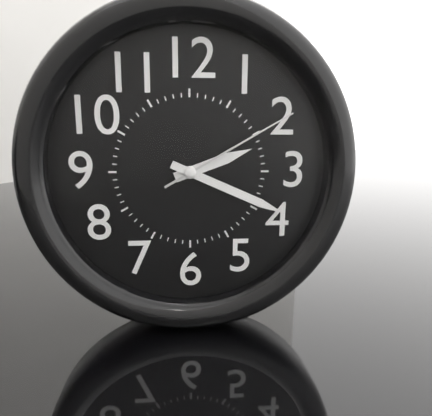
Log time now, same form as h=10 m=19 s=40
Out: h=2 m=19 s=10
